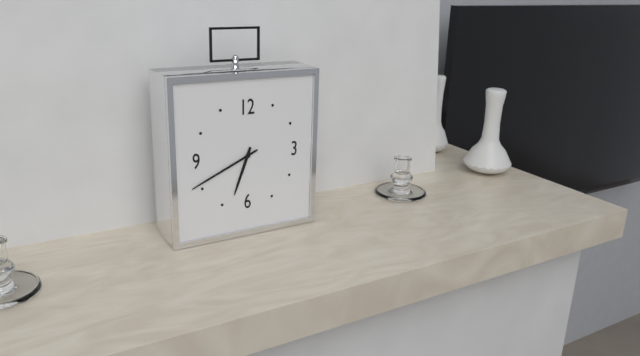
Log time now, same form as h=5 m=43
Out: h=6 m=41
